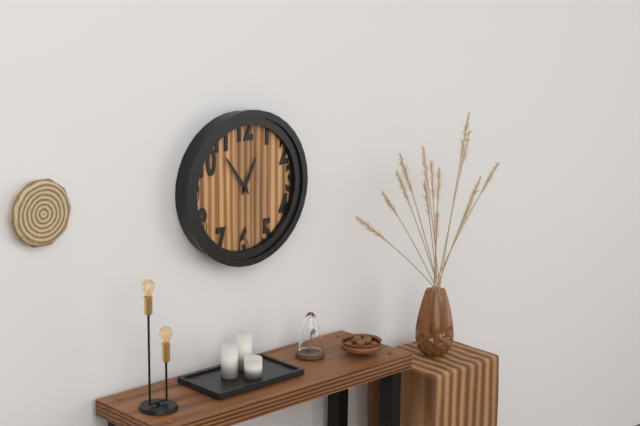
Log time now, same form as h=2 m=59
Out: h=12 m=54
